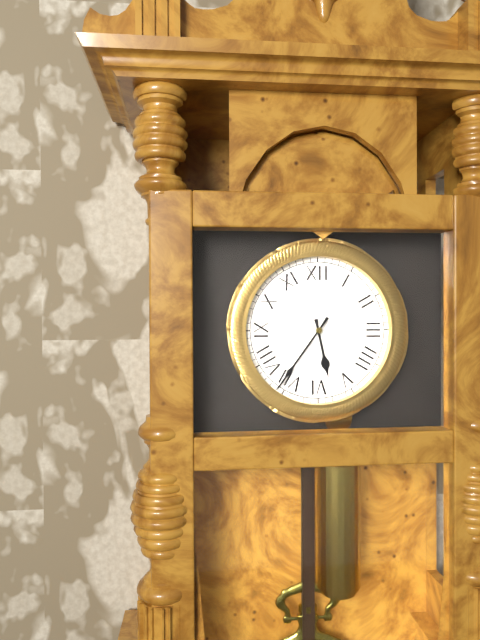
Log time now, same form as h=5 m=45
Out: h=5 m=36
